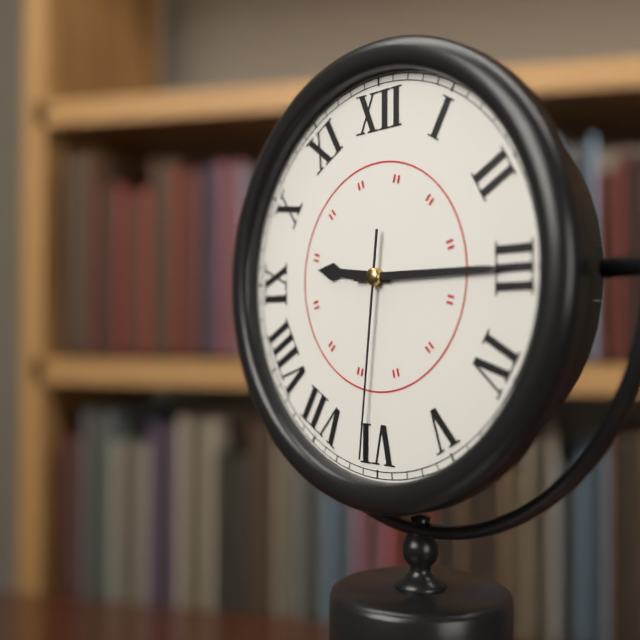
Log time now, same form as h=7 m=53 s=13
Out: h=9 m=15 s=31
